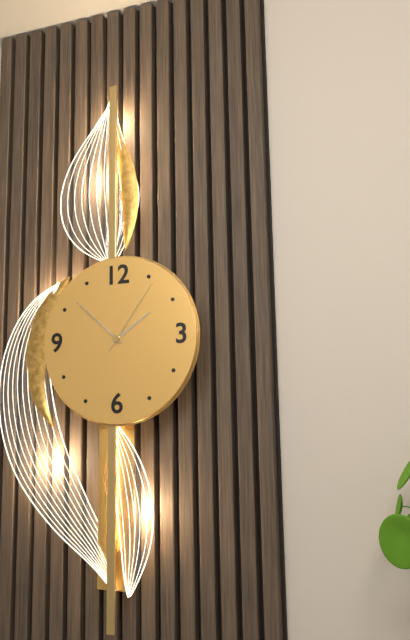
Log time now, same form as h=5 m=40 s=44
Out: h=1 m=52 s=6
